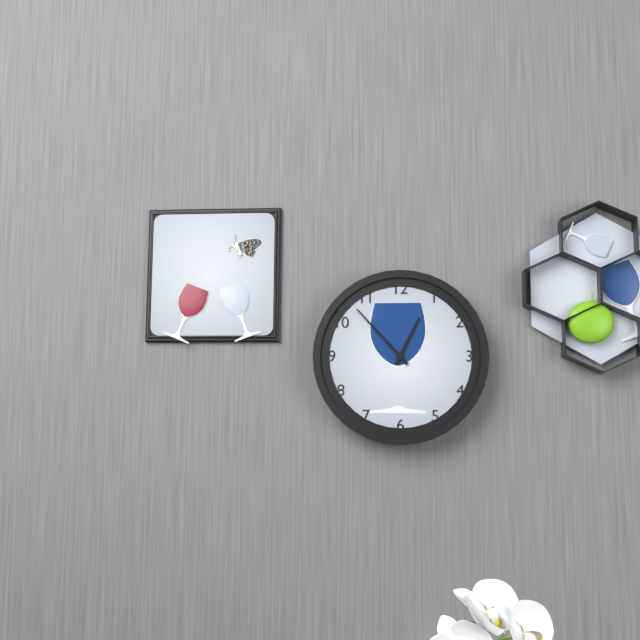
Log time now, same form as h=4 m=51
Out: h=12 m=53
